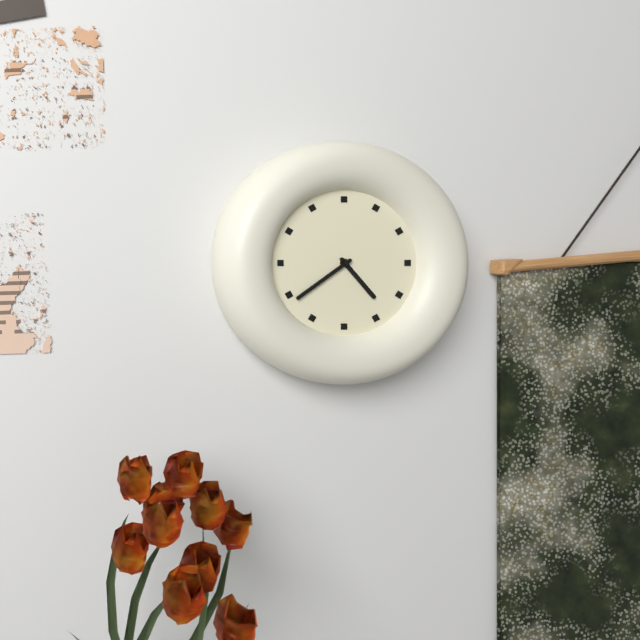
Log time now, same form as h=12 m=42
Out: h=4 m=39
